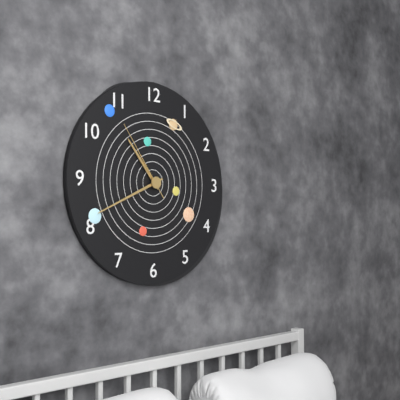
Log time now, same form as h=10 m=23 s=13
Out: h=10 m=41 s=54
